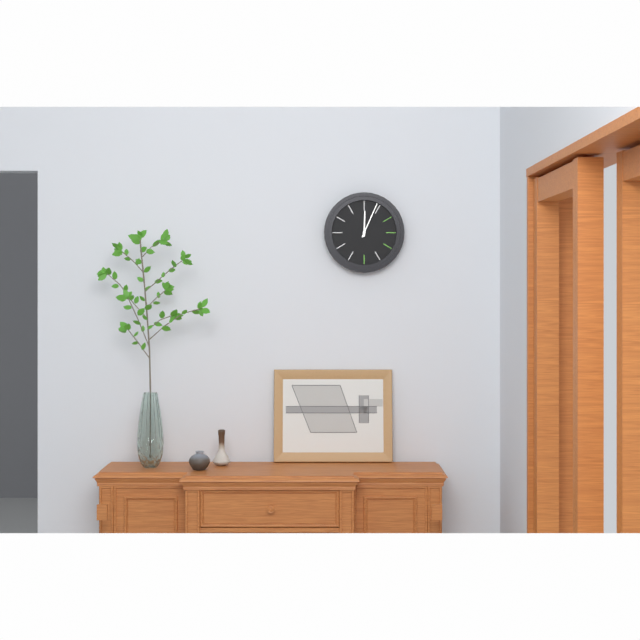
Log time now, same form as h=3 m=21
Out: h=12 m=4
